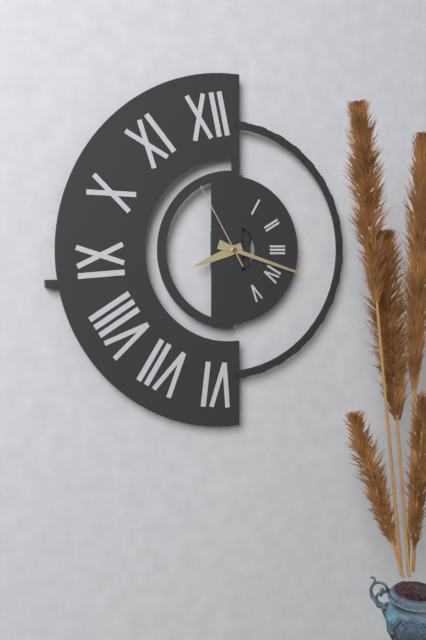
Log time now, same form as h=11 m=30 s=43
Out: h=8 m=18 s=55
